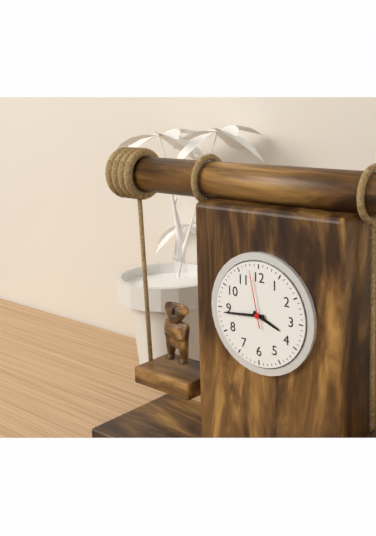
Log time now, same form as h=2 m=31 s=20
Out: h=3 m=44 s=58
